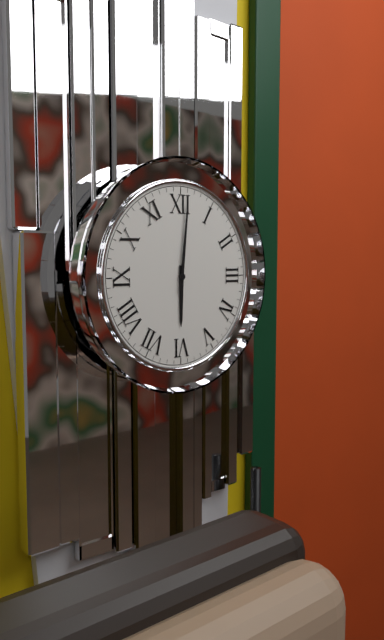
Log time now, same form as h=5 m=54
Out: h=6 m=1
